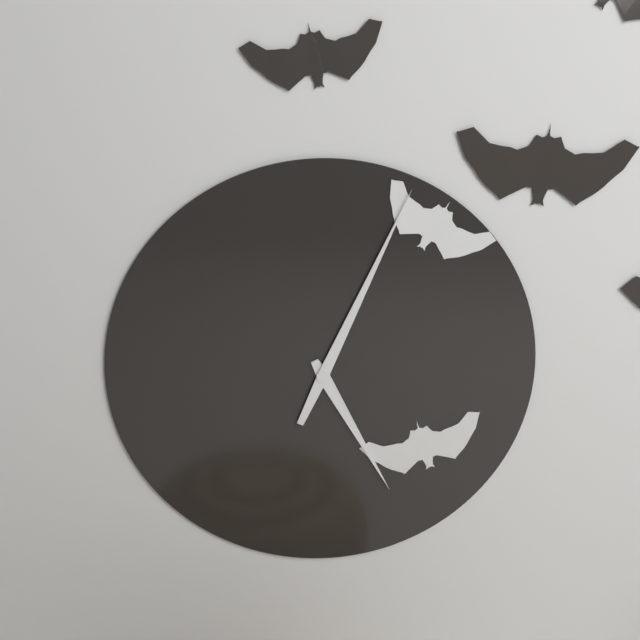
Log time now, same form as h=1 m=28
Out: h=5 m=4
